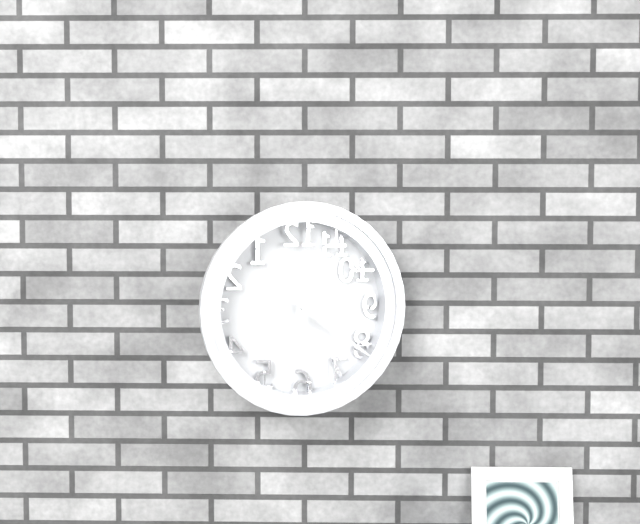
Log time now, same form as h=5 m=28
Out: h=6 m=21
